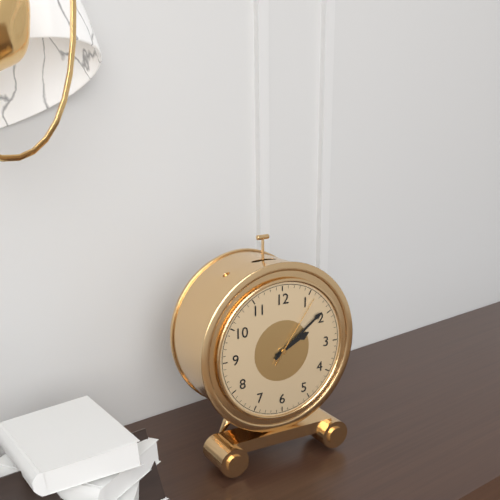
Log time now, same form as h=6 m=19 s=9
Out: h=2 m=9 s=6
